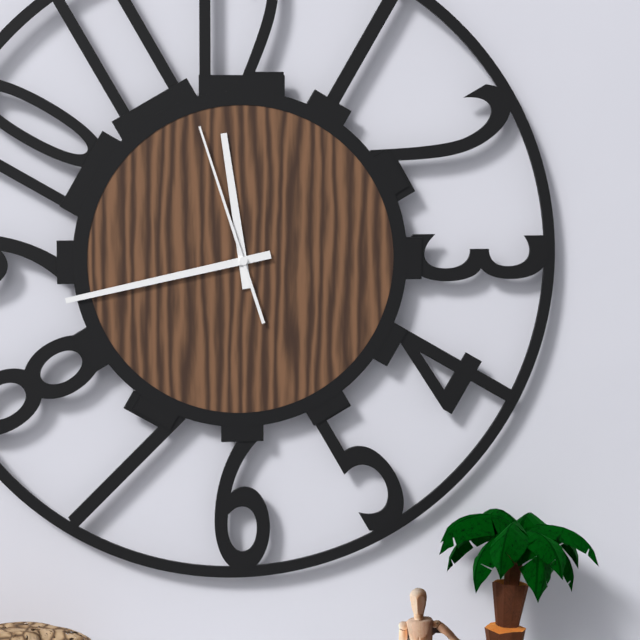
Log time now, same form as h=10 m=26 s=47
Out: h=11 m=43 s=57
